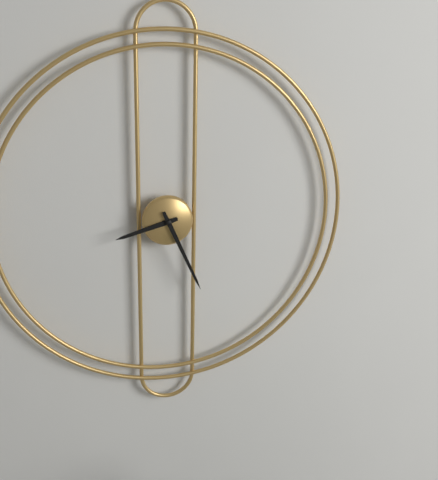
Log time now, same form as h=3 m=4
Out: h=8 m=26
